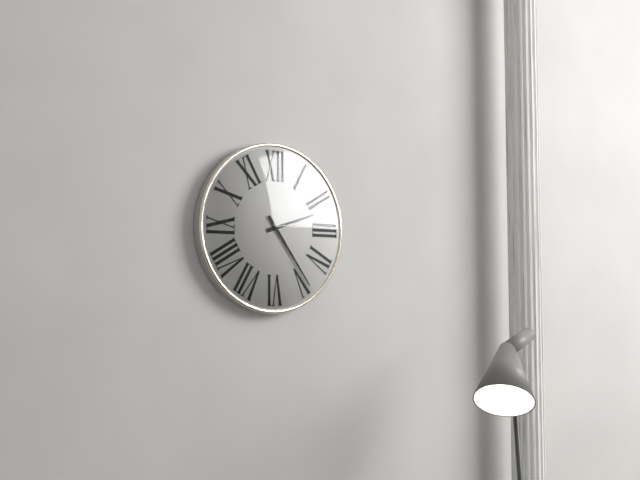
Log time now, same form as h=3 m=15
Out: h=2 m=24
